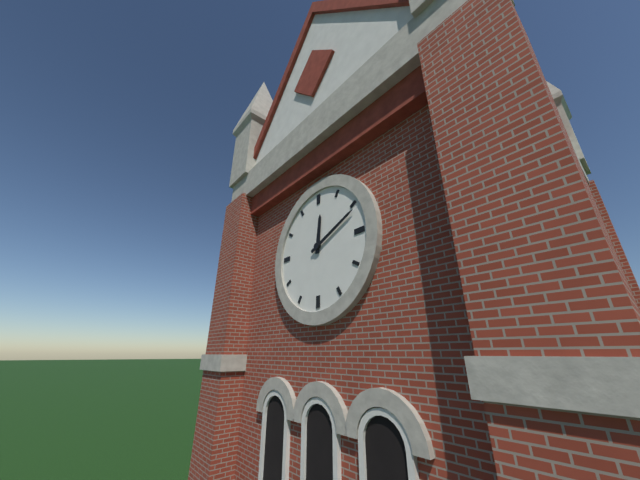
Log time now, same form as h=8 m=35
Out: h=12 m=11
